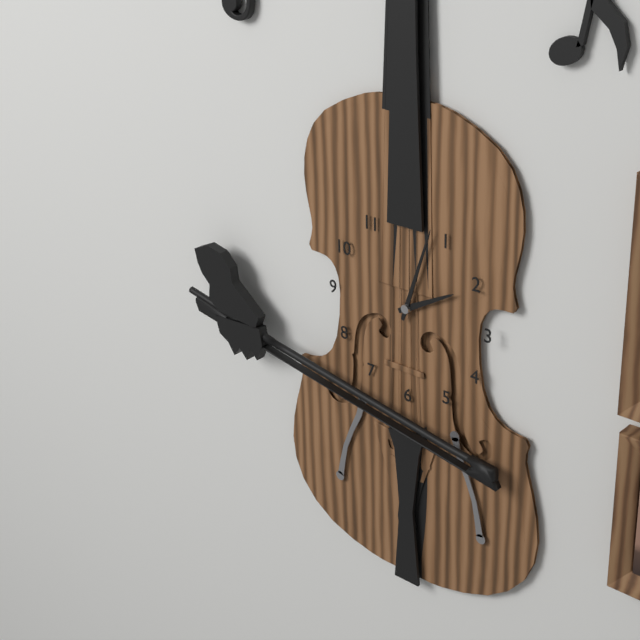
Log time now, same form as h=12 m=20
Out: h=2 m=3
